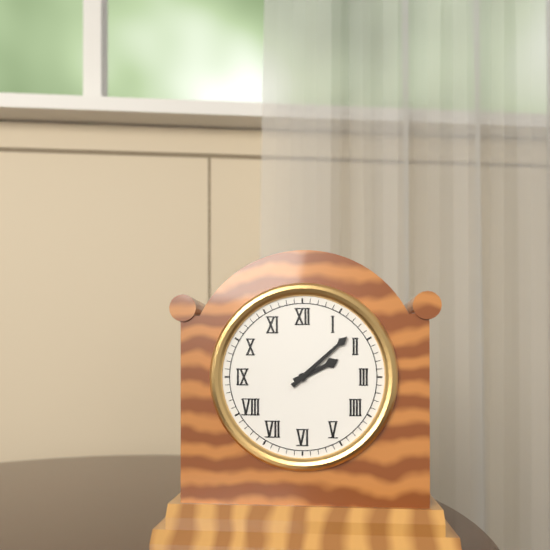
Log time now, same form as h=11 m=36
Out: h=2 m=8
